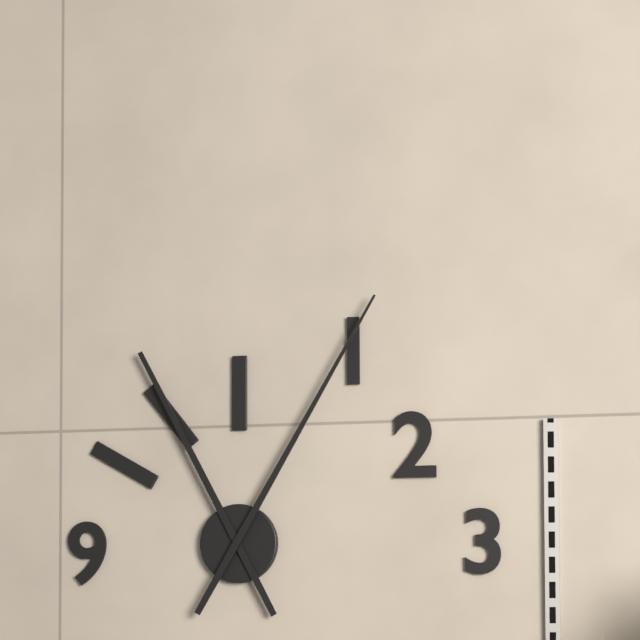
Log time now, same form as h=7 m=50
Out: h=11 m=5
